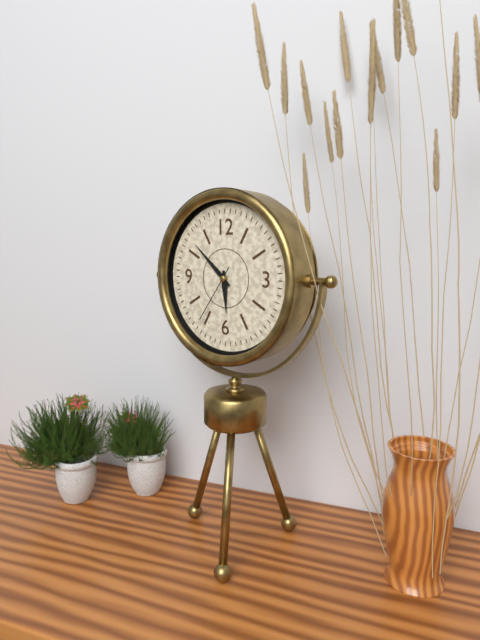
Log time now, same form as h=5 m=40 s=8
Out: h=5 m=52 s=36
